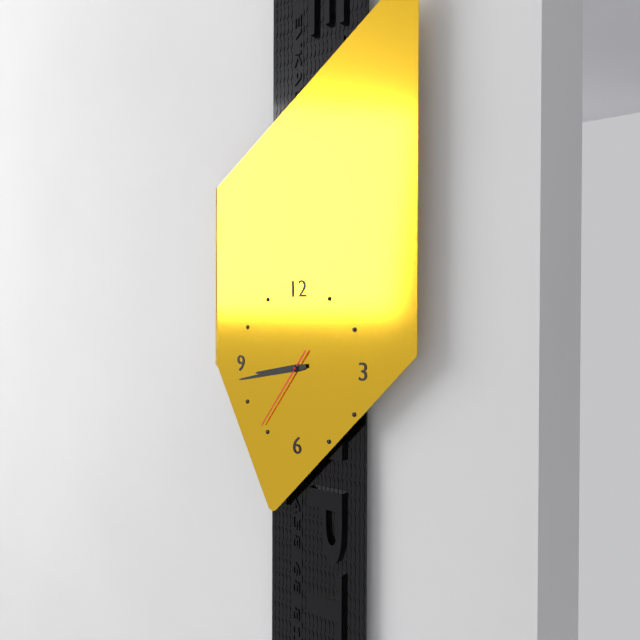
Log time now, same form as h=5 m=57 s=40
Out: h=8 m=43 s=36
